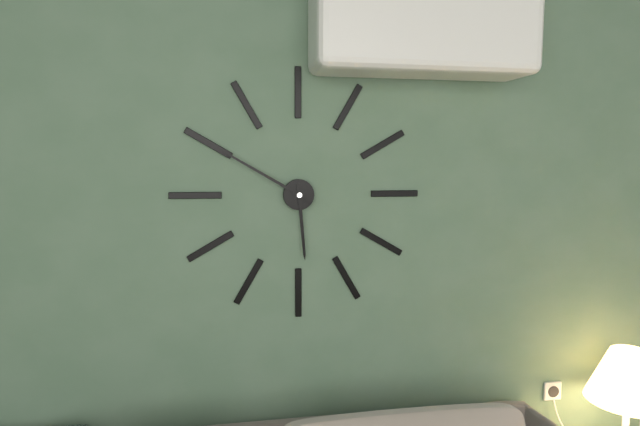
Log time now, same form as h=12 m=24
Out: h=5 m=50
